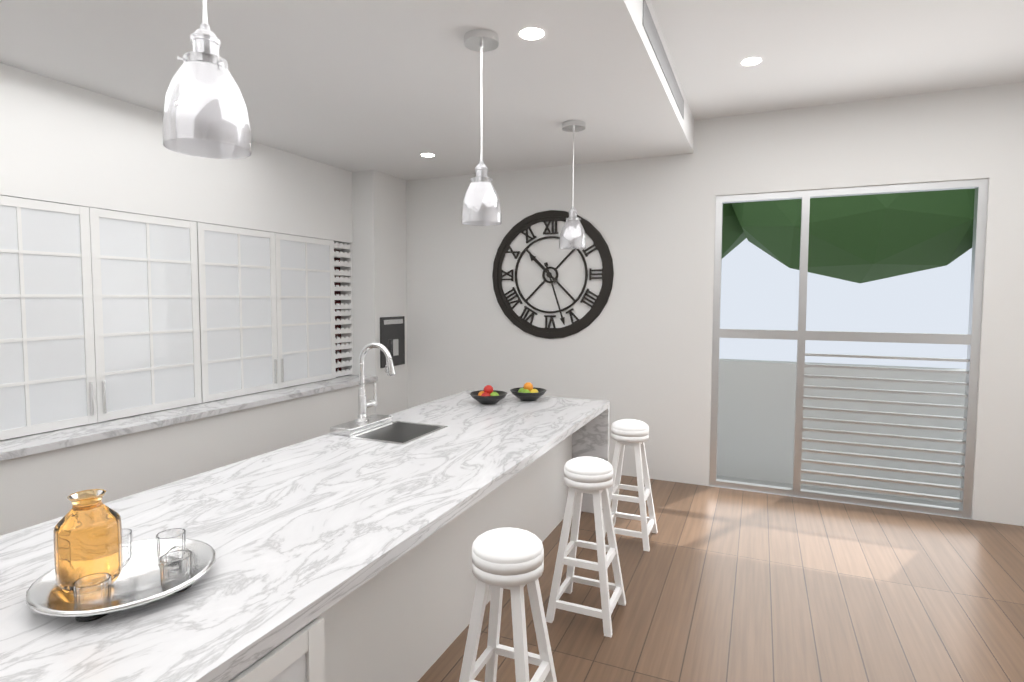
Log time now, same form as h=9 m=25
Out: h=10 m=27
